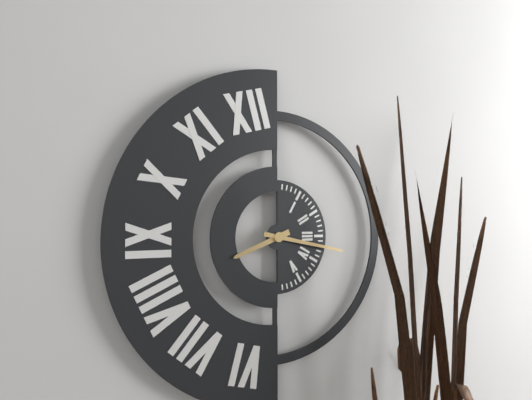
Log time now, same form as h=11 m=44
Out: h=8 m=17
